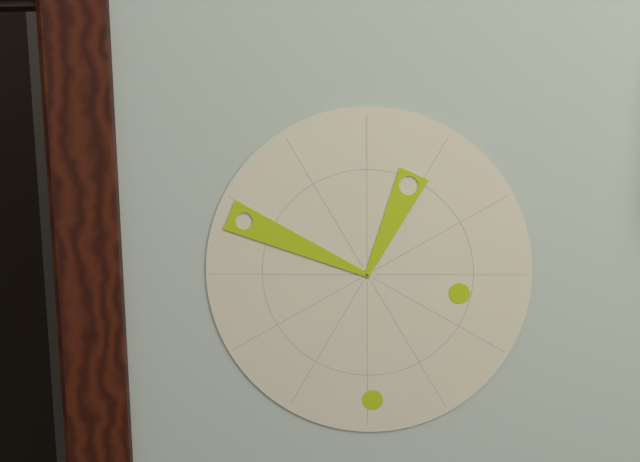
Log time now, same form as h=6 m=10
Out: h=12 m=49
